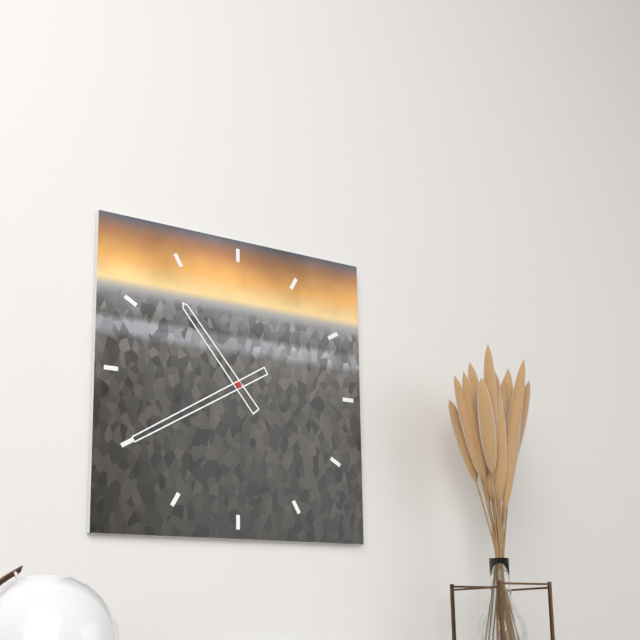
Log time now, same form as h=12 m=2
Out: h=10 m=40
